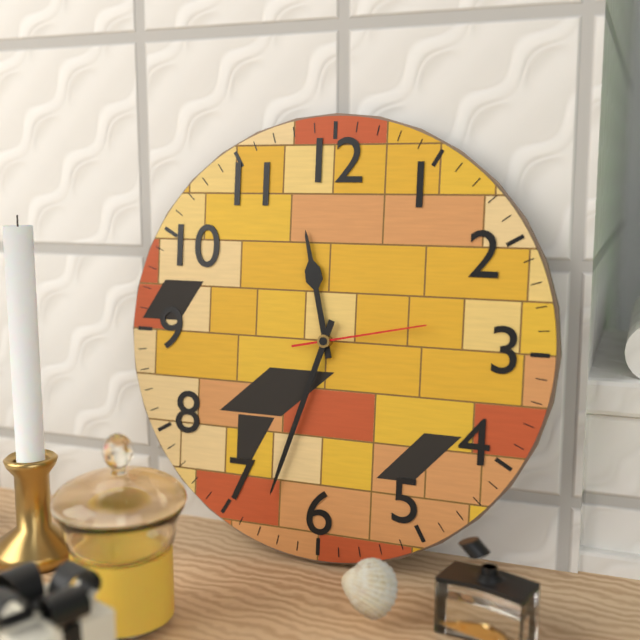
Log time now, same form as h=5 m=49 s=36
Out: h=11 m=33 s=13
